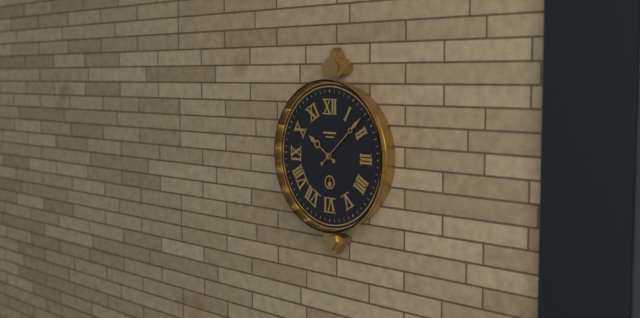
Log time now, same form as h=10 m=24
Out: h=10 m=8
